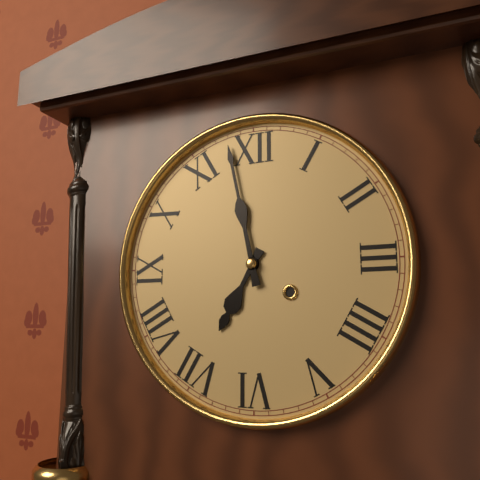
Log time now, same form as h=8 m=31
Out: h=6 m=58
